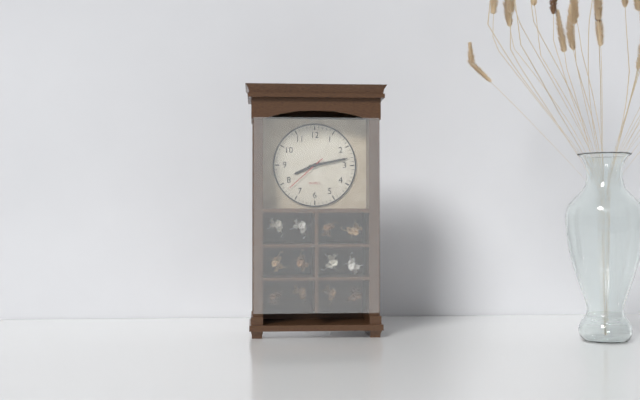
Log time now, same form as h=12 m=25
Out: h=8 m=13
